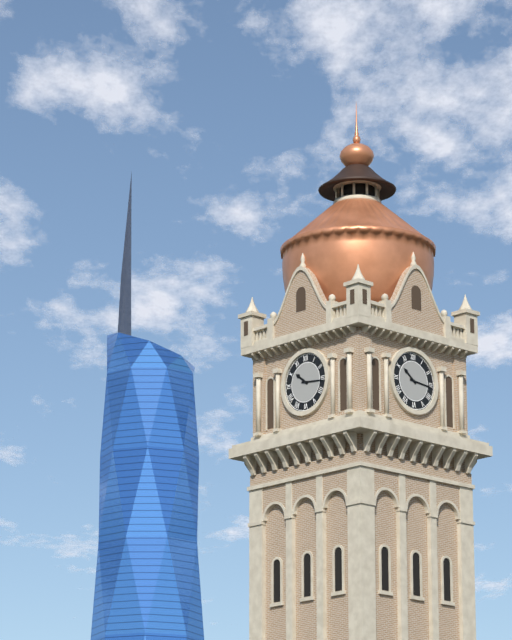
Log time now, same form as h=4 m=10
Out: h=10 m=16
